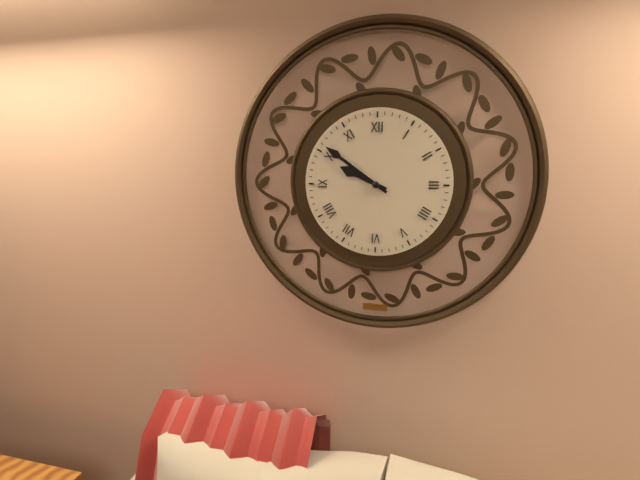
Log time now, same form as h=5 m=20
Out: h=9 m=51
